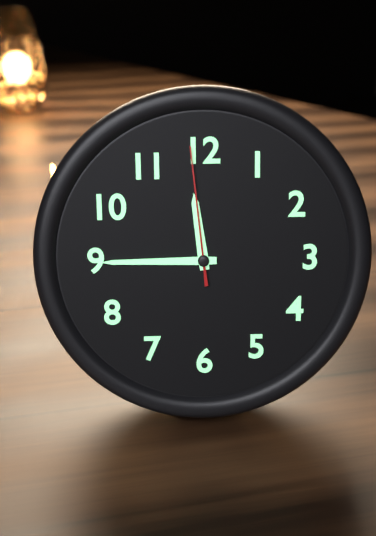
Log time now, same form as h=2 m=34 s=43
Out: h=11 m=45 s=59
